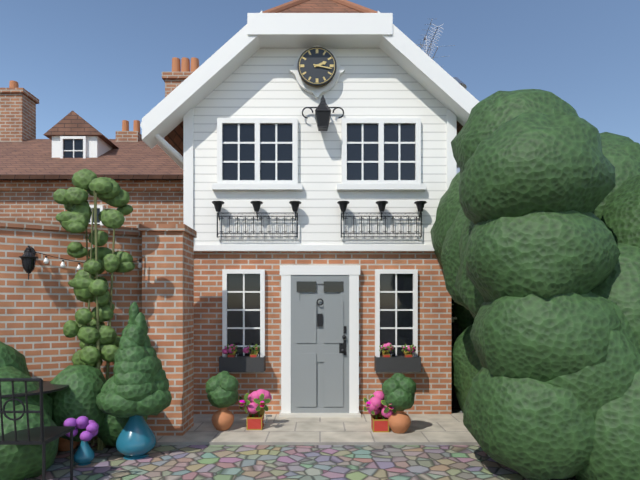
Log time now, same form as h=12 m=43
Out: h=2 m=17
